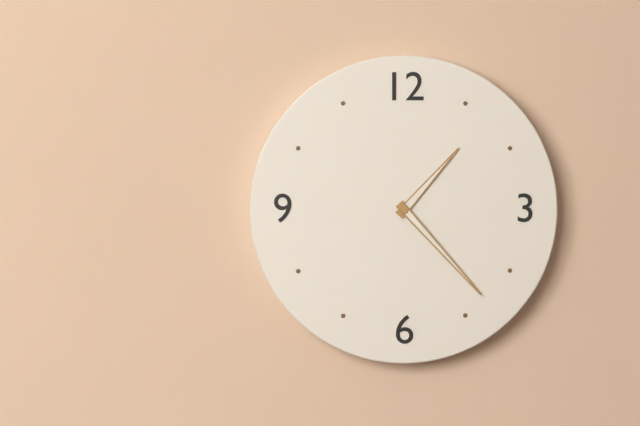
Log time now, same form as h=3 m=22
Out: h=1 m=23
